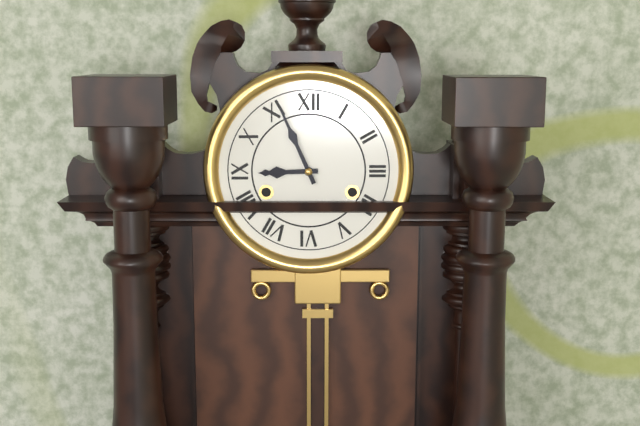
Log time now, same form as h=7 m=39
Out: h=8 m=56
